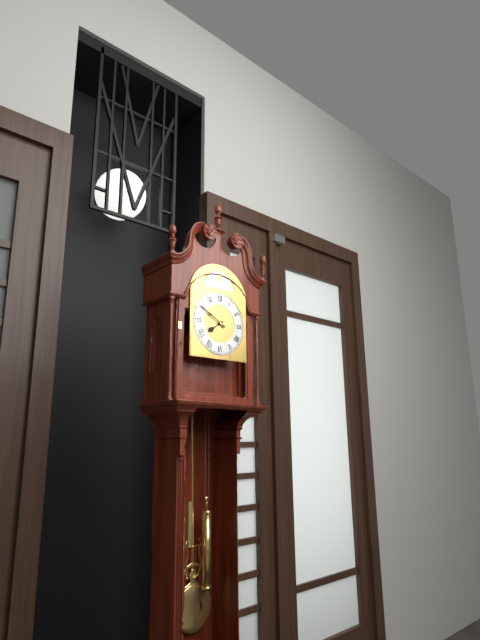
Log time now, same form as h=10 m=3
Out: h=7 m=50
